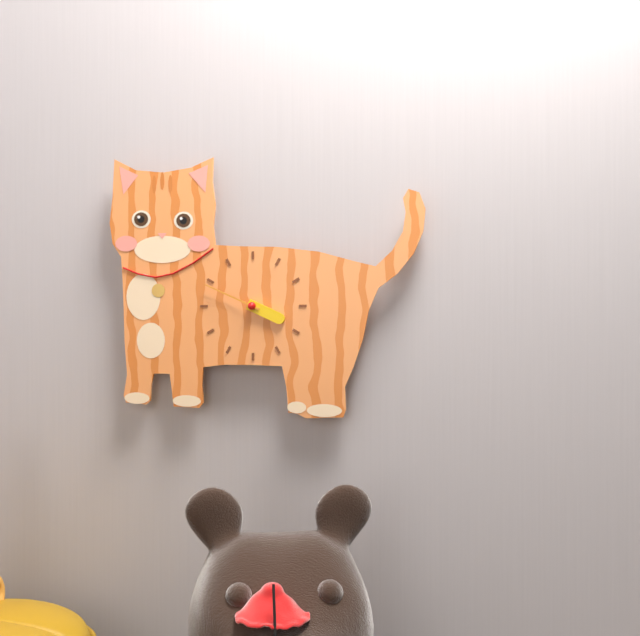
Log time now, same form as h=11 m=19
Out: h=3 m=49
